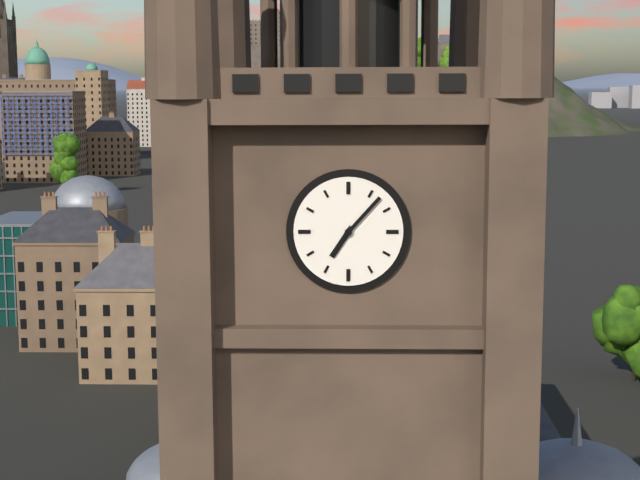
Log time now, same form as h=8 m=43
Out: h=7 m=7
